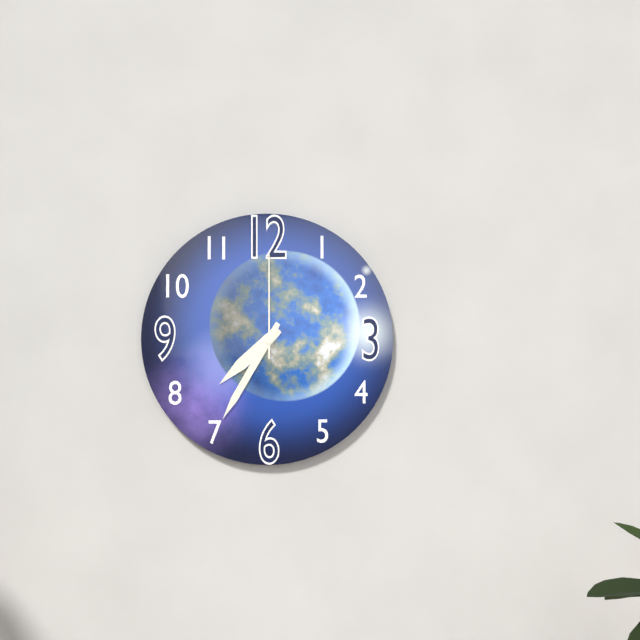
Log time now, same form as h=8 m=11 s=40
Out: h=7 m=35 s=0
